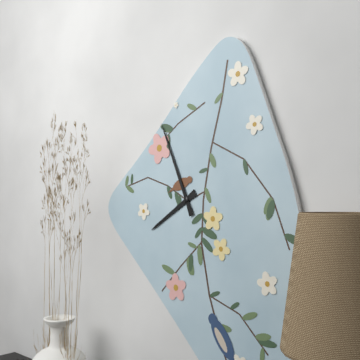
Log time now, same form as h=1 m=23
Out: h=7 m=56
